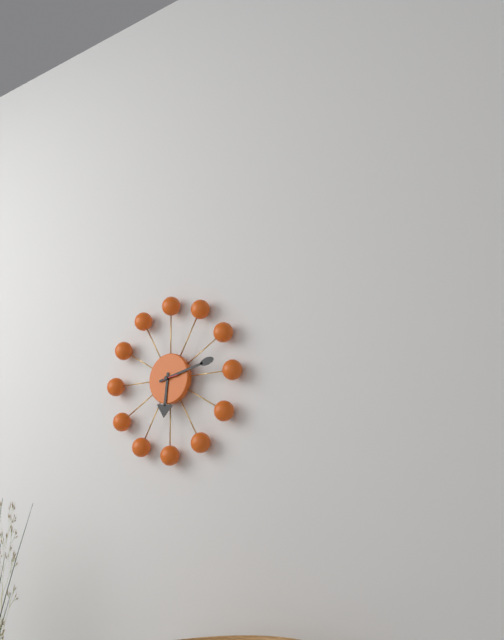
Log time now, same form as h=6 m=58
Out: h=6 m=13
